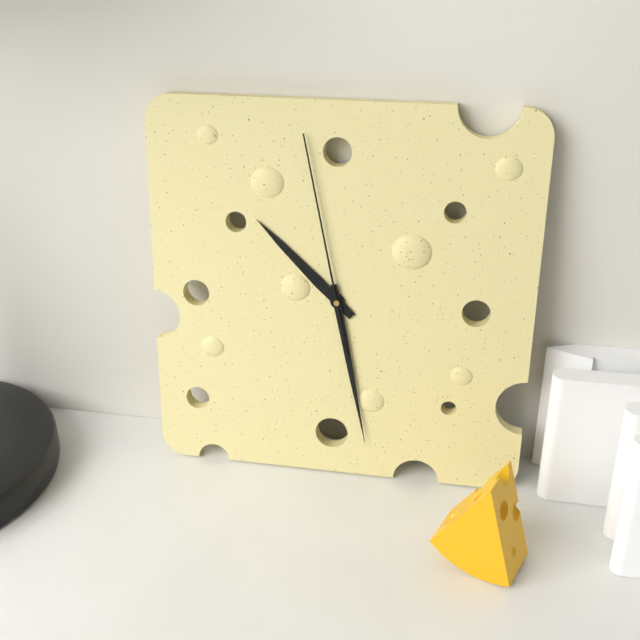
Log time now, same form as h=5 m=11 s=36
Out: h=10 m=28 s=58
